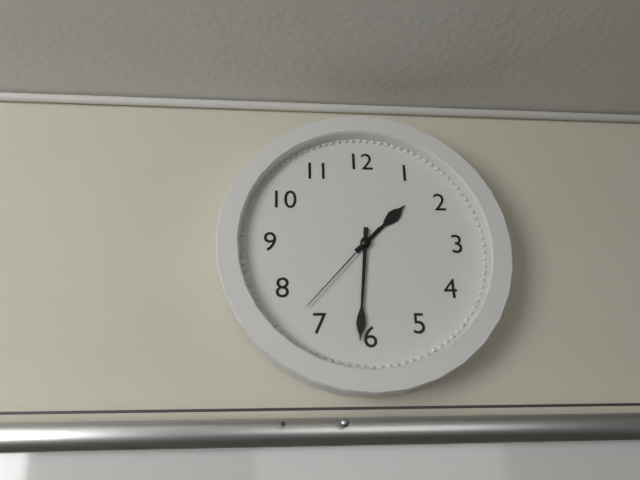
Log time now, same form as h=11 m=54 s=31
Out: h=1 m=31 s=37
